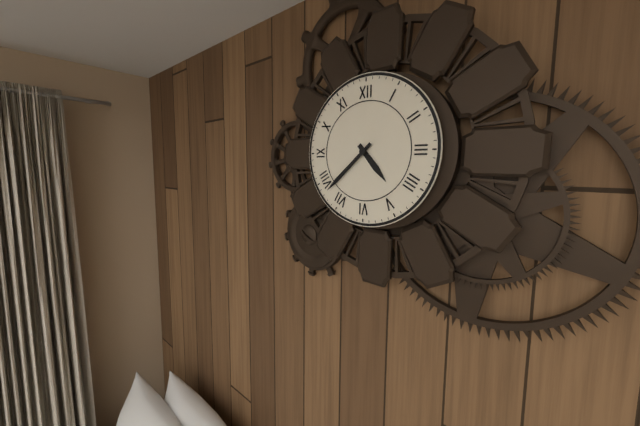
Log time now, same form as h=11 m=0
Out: h=4 m=38
